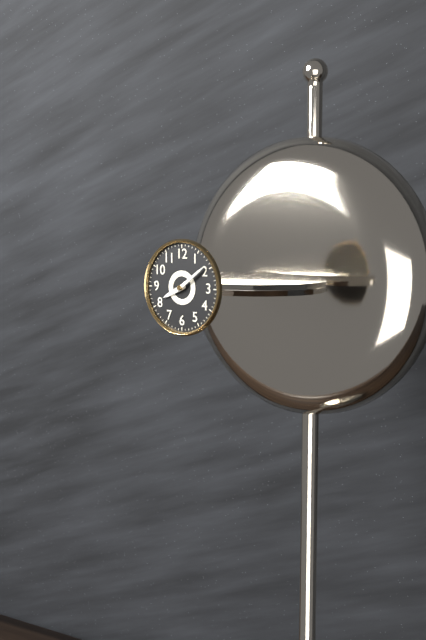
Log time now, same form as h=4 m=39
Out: h=8 m=9
